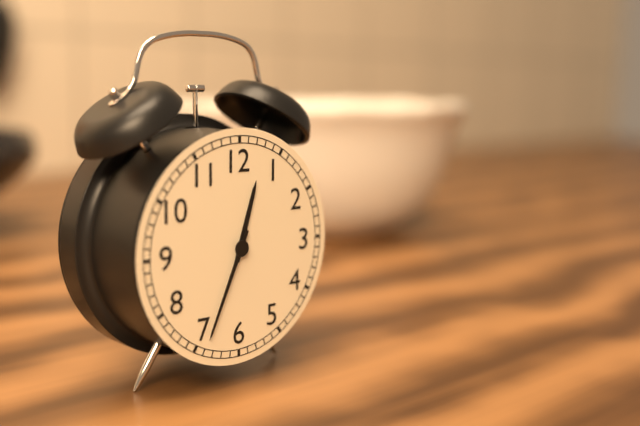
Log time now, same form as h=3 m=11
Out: h=12 m=34
